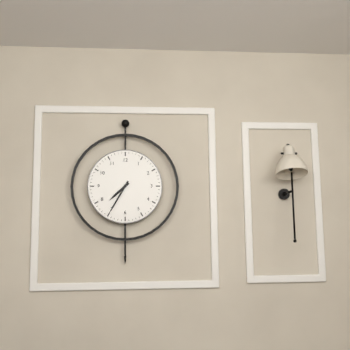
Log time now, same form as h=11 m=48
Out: h=7 m=35
